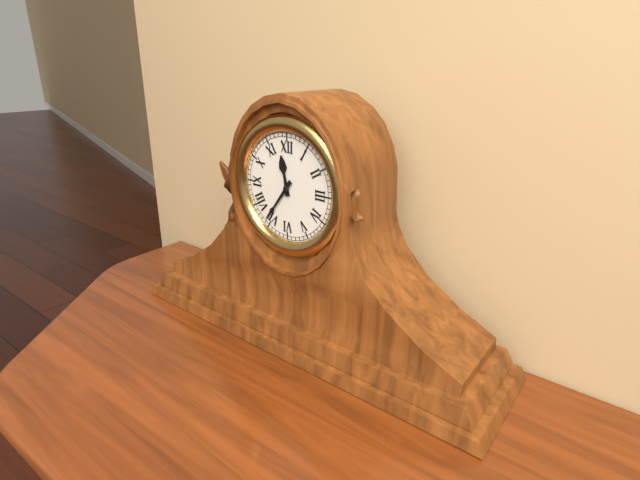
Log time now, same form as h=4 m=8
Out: h=11 m=36
